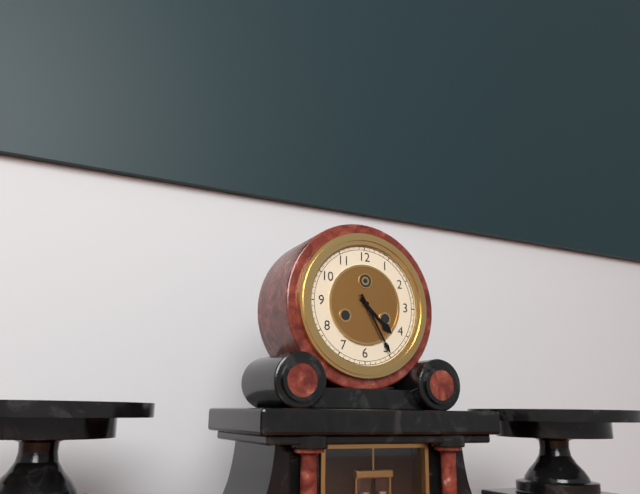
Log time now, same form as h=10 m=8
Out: h=4 m=25
